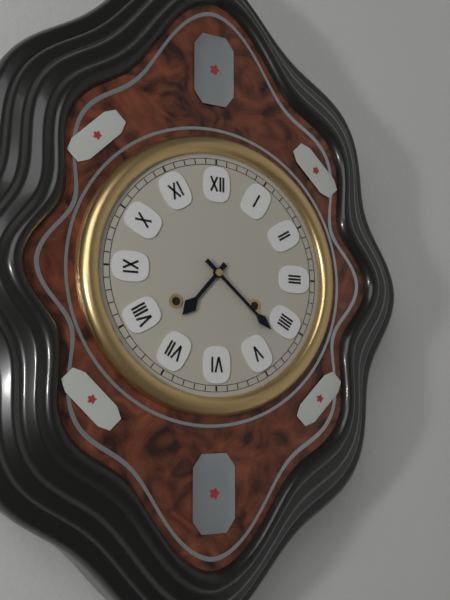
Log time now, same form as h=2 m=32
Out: h=7 m=22
